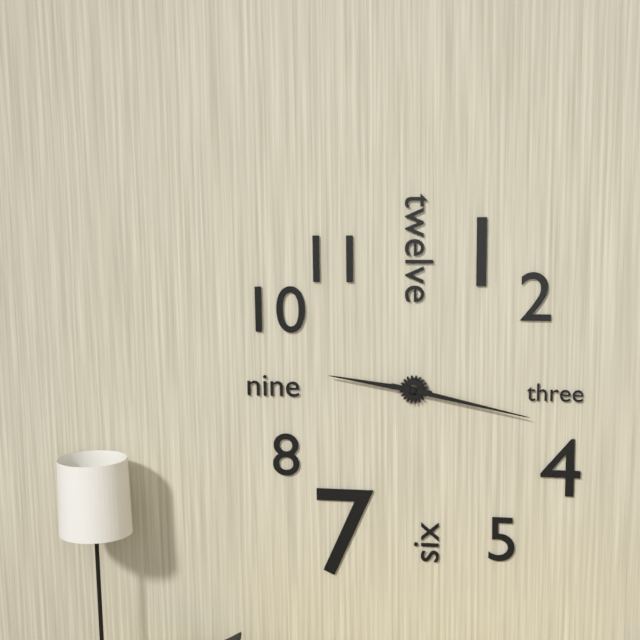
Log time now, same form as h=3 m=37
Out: h=9 m=17
